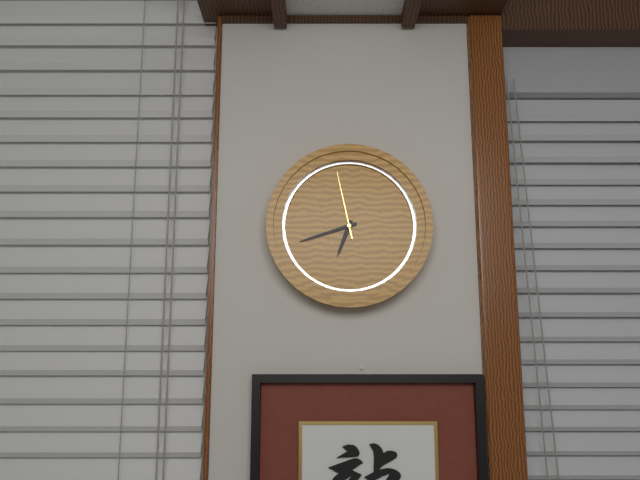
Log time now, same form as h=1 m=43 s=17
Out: h=6 m=42 s=58
